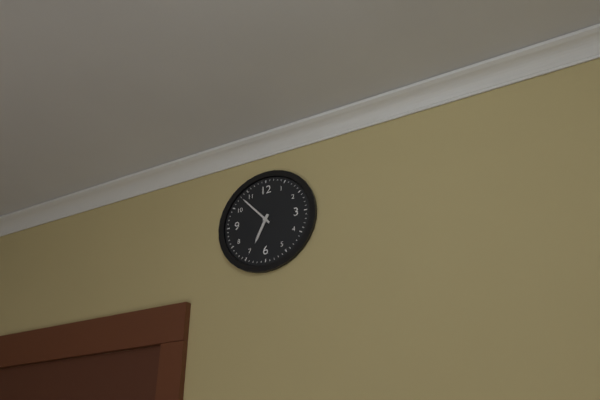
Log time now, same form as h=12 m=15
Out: h=6 m=53
